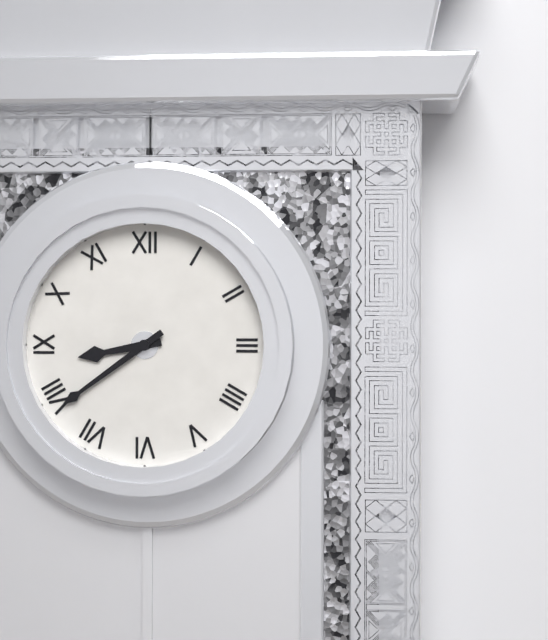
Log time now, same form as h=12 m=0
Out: h=8 m=39
